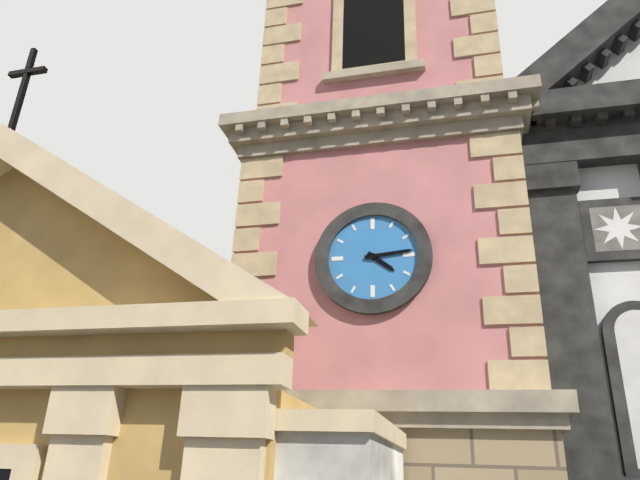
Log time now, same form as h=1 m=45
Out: h=4 m=14
